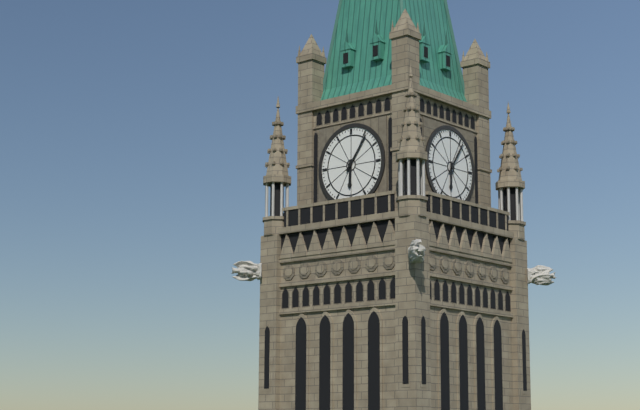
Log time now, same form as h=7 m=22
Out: h=6 m=6
